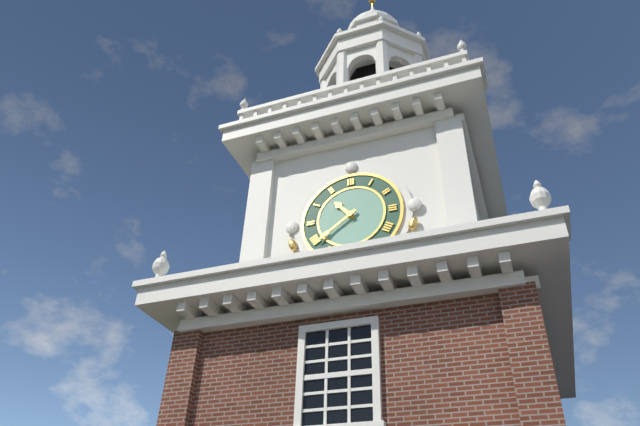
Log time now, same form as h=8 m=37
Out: h=10 m=39
